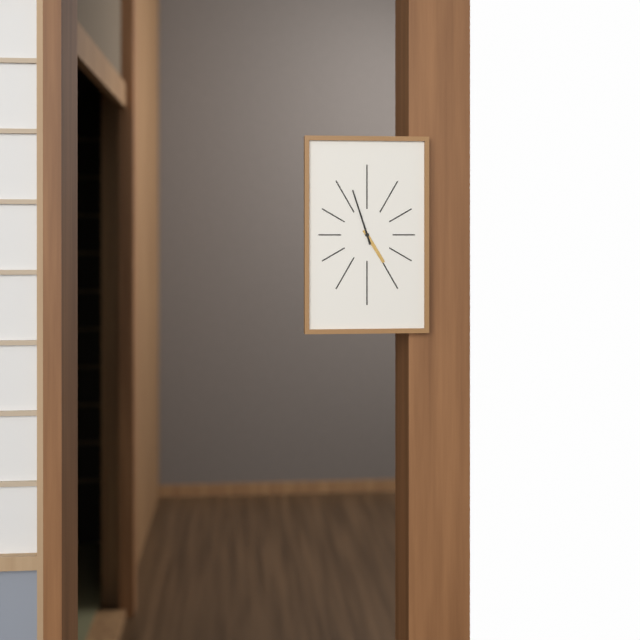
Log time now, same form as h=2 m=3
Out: h=4 m=57
